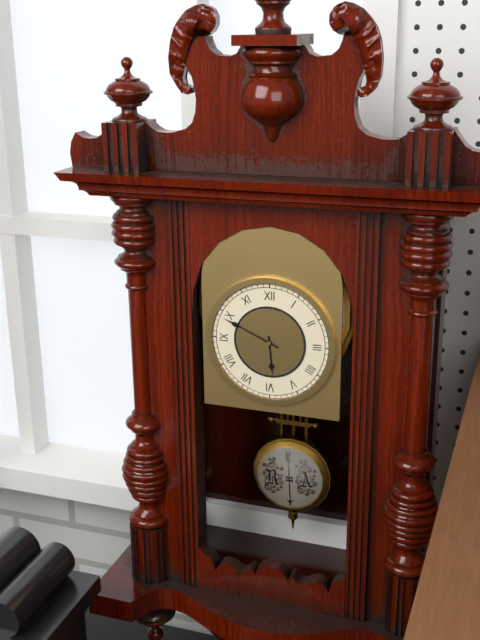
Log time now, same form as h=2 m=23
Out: h=5 m=49
